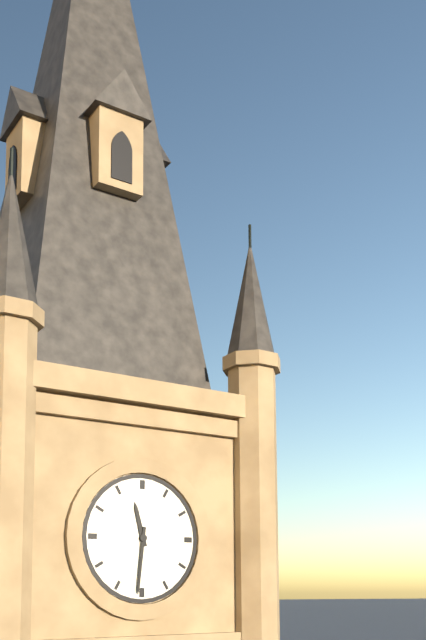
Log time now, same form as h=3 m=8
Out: h=11 m=31
